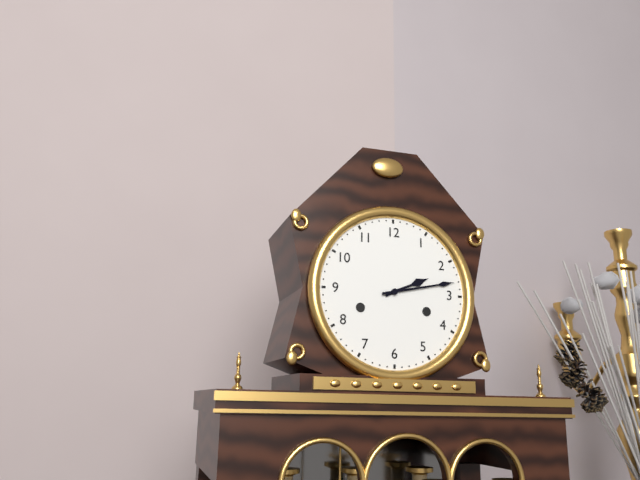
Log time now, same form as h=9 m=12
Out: h=2 m=13
